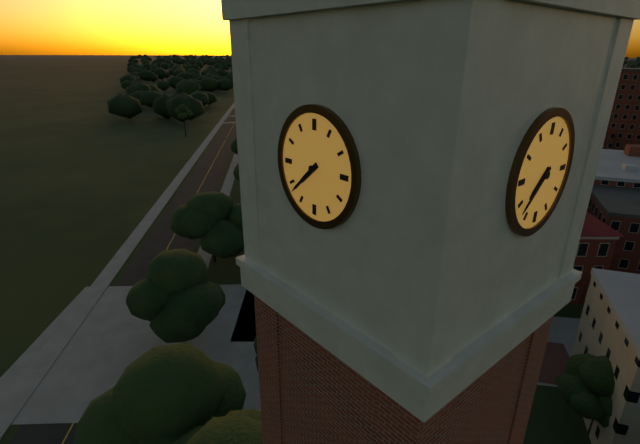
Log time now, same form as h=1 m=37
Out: h=7 m=38
